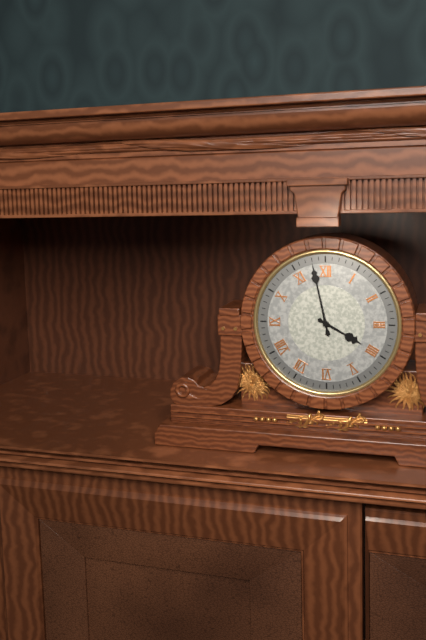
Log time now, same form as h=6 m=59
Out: h=3 m=58
